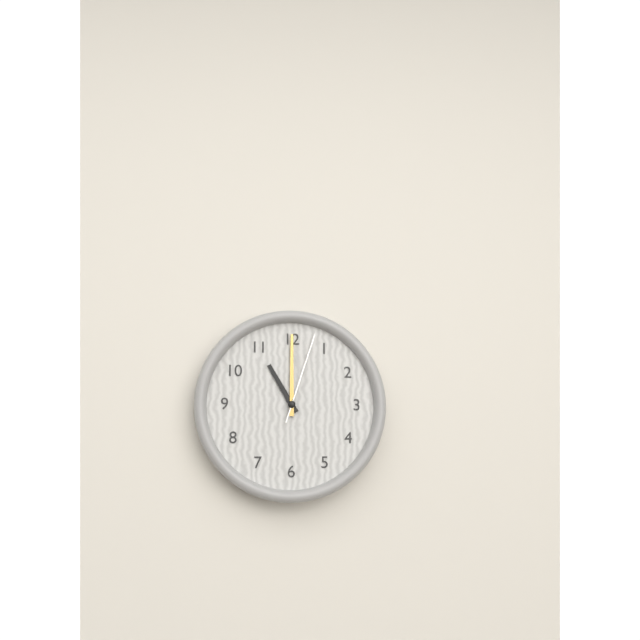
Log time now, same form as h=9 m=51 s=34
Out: h=11 m=0 s=3
